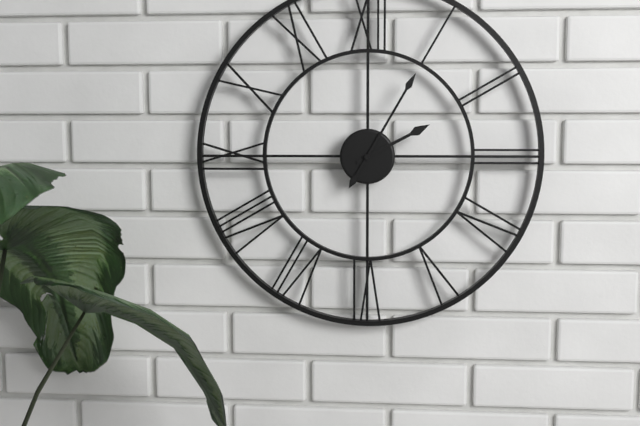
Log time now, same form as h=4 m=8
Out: h=2 m=5
